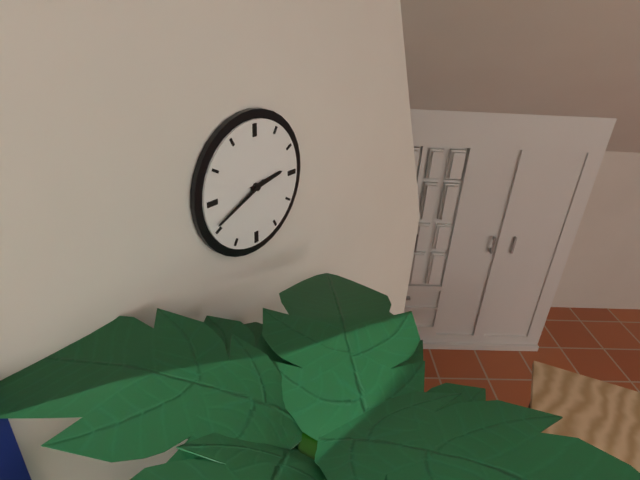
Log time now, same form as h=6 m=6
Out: h=2 m=41
